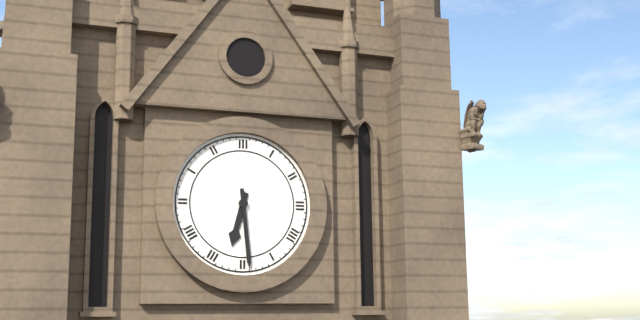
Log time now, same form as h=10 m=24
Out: h=6 m=29
